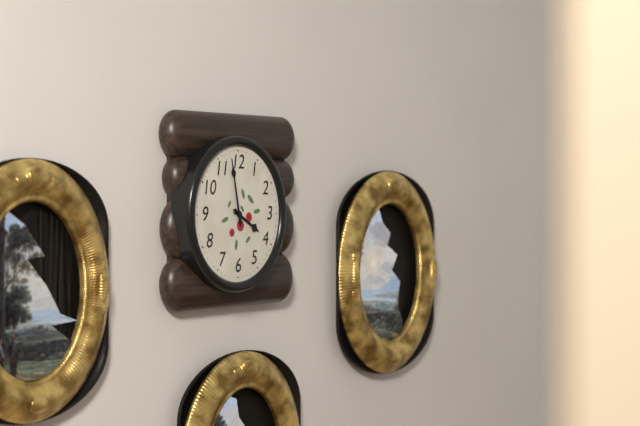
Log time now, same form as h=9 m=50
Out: h=3 m=58
